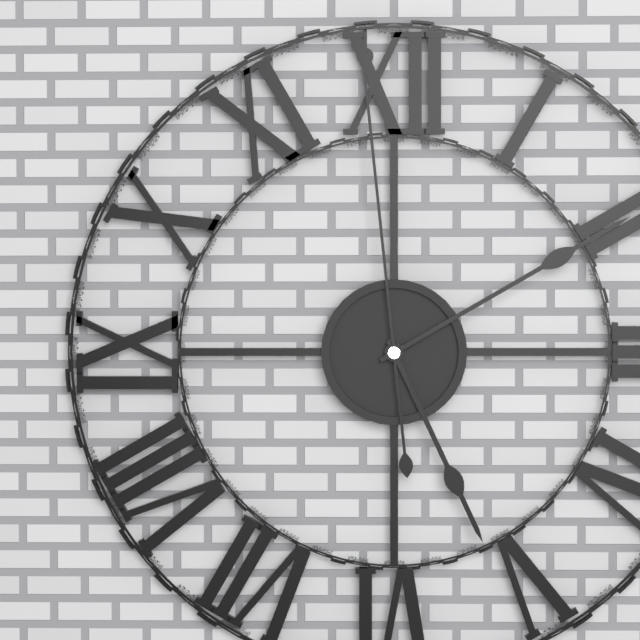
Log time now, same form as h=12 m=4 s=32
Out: h=5 m=10 s=59
